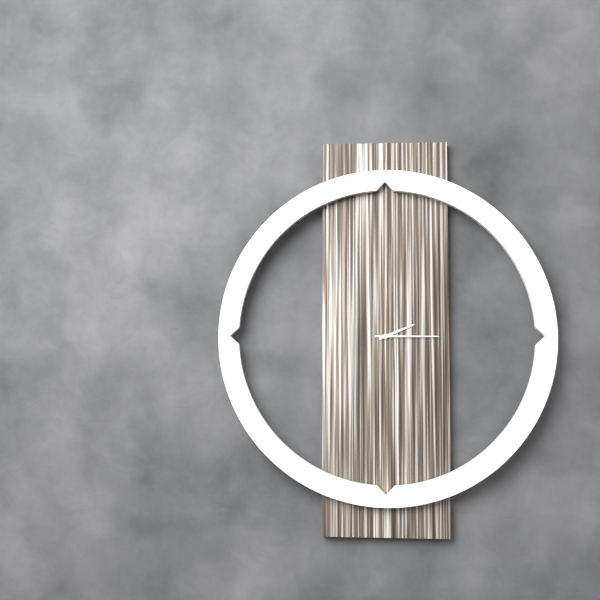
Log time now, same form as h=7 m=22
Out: h=2 m=15
